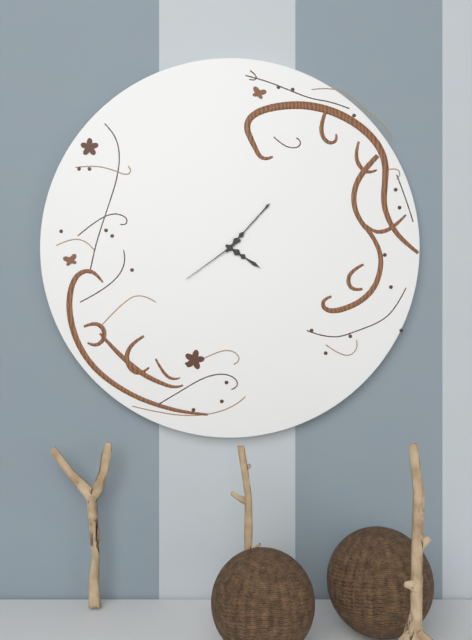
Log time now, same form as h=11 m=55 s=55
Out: h=4 m=7 s=39
